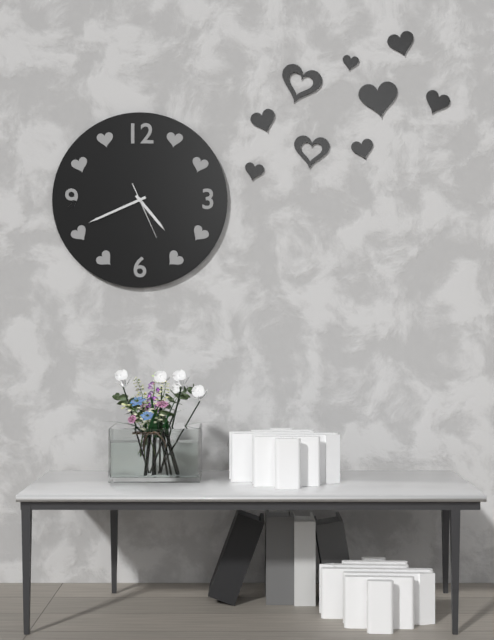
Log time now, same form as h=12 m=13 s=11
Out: h=4 m=41 s=26
